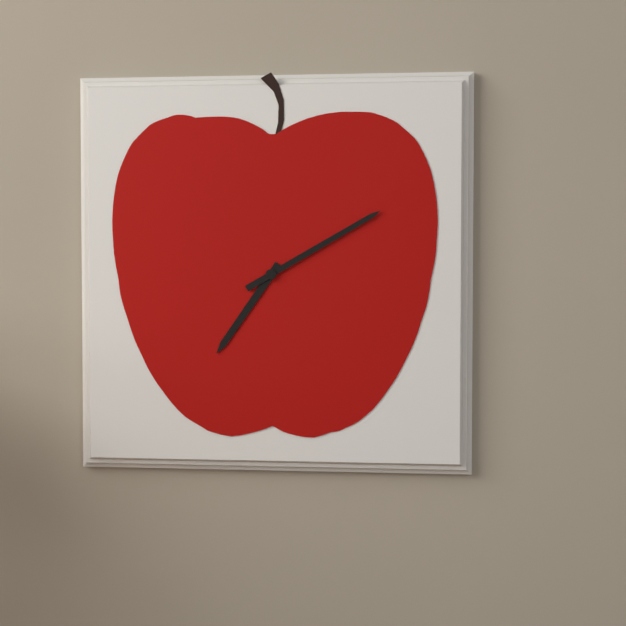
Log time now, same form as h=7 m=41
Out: h=7 m=10
